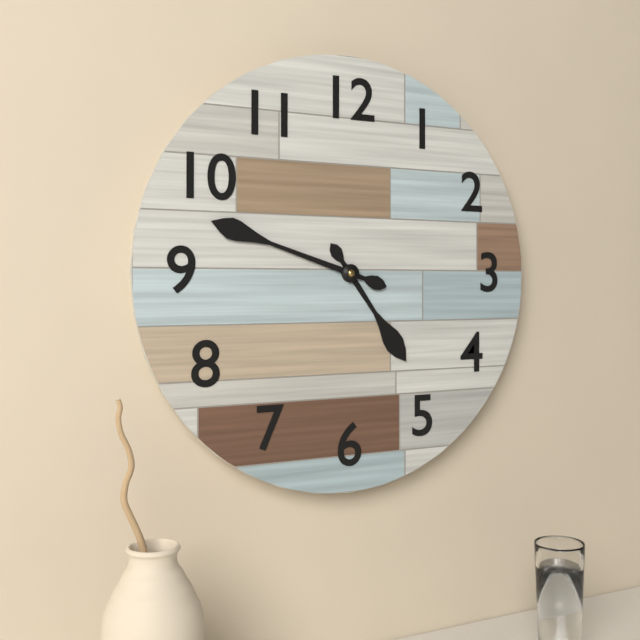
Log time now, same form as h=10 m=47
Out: h=4 m=48
